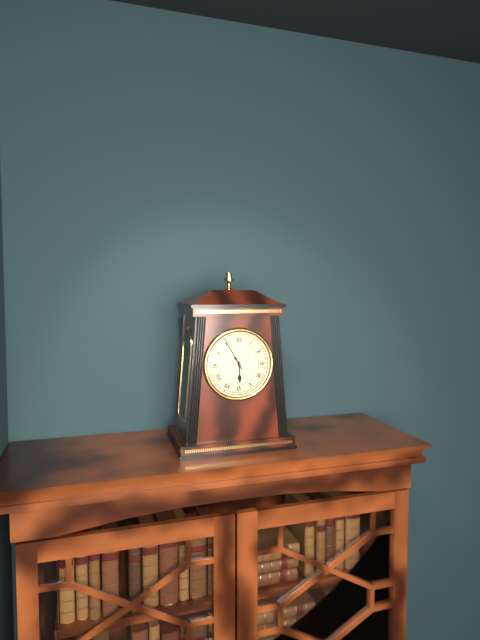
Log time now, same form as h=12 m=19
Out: h=5 m=55
